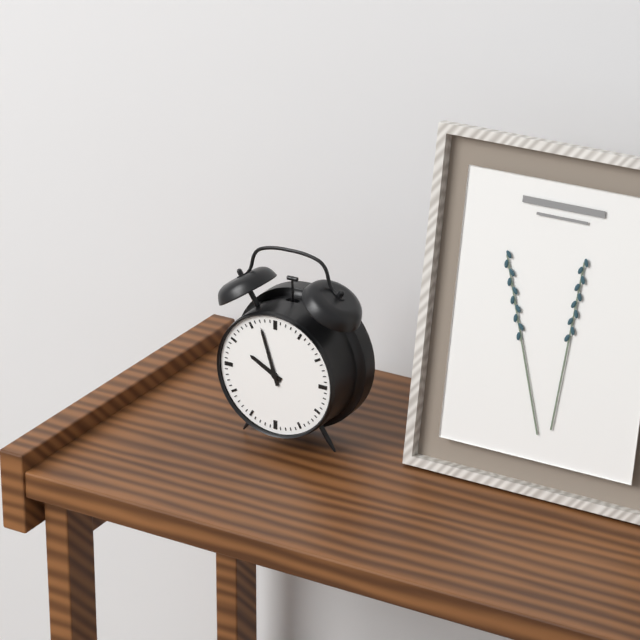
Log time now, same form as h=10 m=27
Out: h=9 m=57
